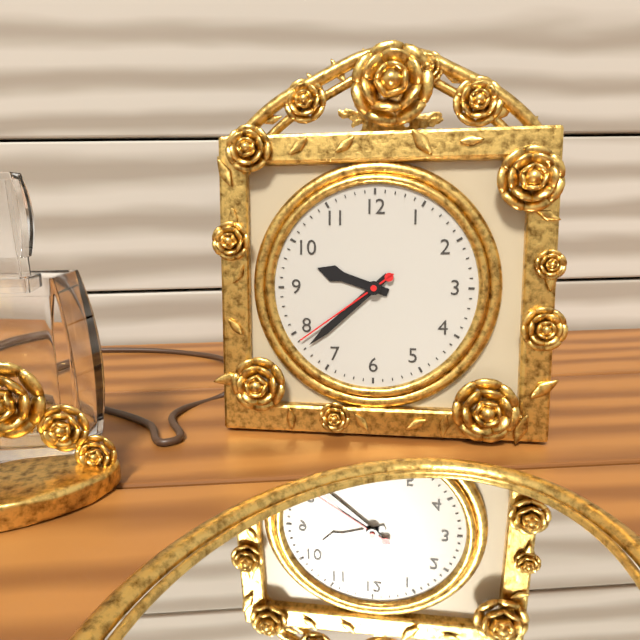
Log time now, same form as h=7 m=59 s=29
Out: h=9 m=38 s=39
